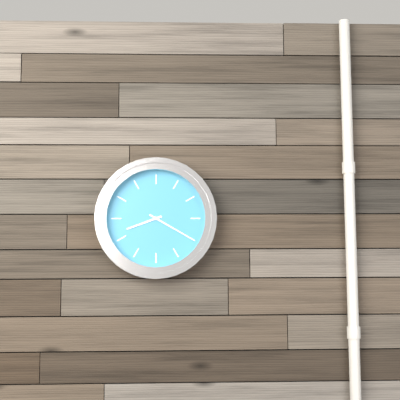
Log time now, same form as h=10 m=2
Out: h=8 m=20
